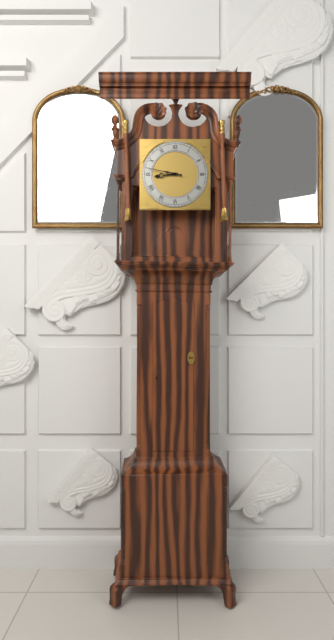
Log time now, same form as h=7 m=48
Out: h=8 m=47
